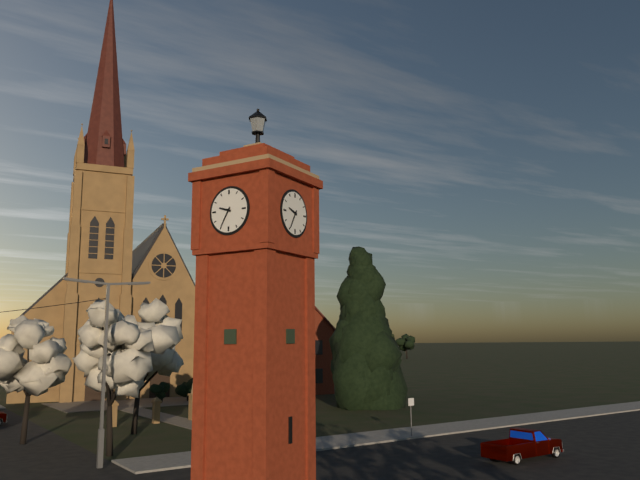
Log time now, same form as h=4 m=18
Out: h=9 m=35
